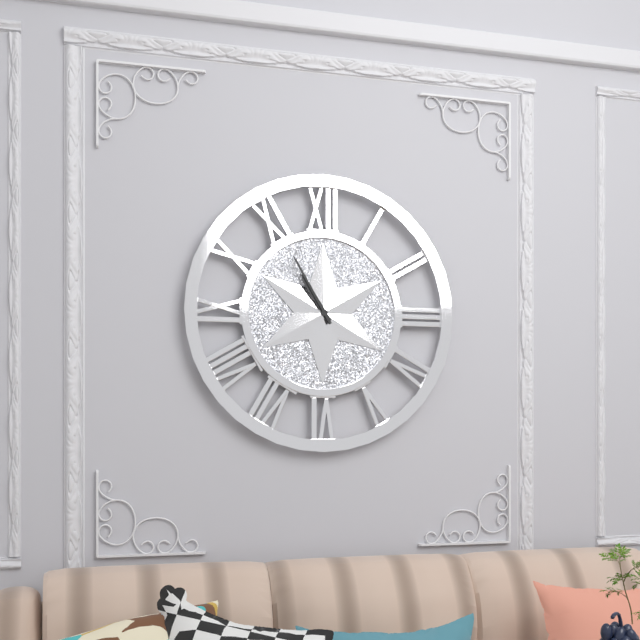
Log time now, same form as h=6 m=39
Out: h=10 m=55
